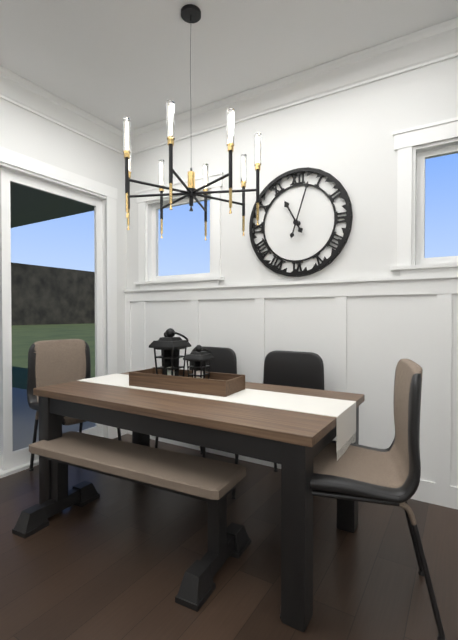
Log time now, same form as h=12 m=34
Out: h=11 m=3
